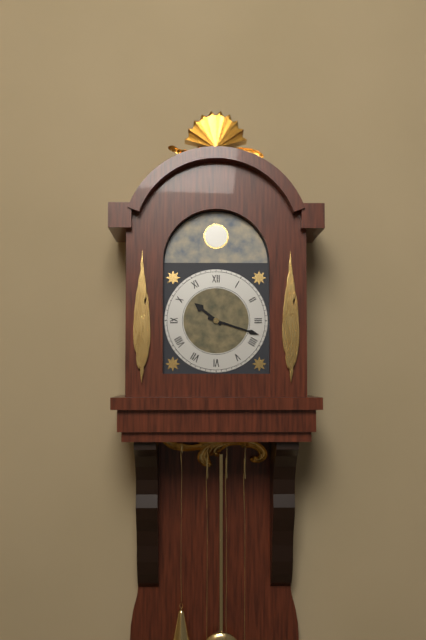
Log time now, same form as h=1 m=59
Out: h=10 m=18
